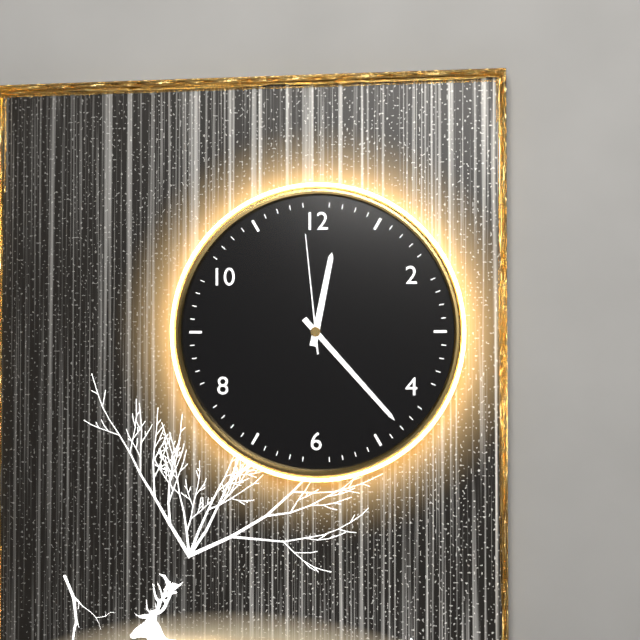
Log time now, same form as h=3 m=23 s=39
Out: h=12 m=23 s=59
